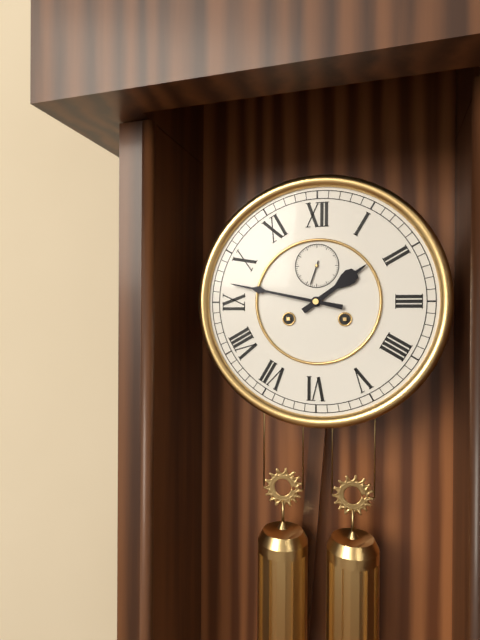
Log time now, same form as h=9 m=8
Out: h=1 m=47
